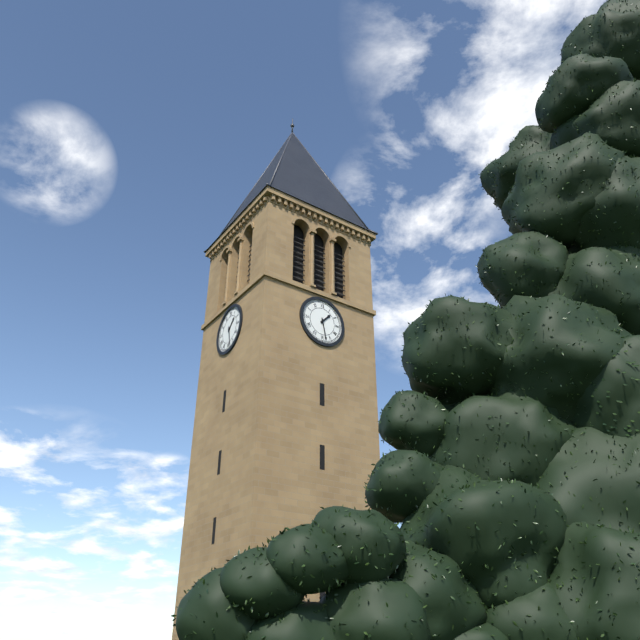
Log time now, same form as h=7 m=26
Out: h=1 m=28
